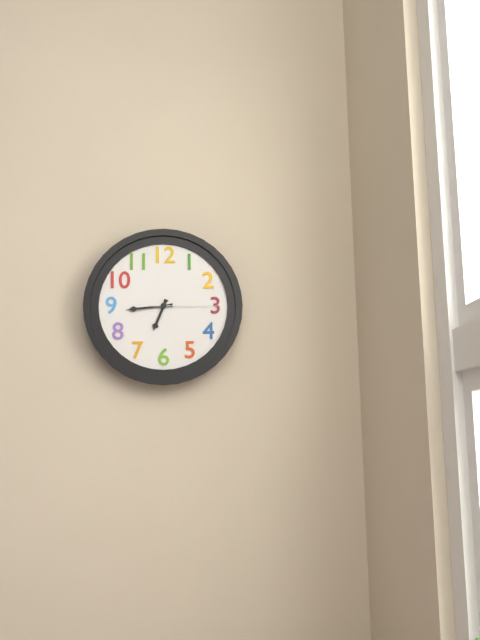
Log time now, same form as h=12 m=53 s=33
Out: h=6 m=44 s=15
